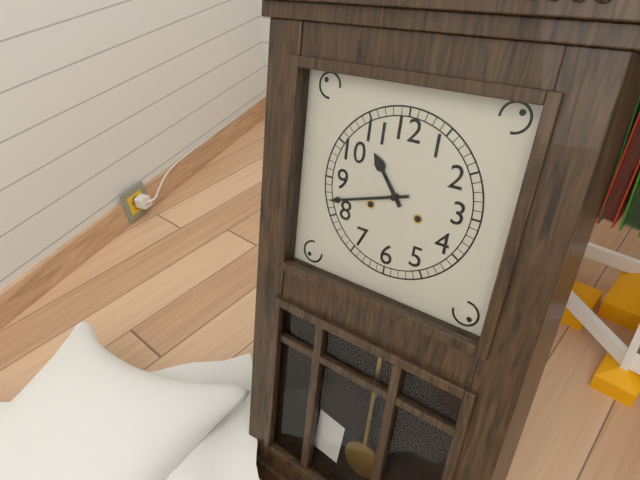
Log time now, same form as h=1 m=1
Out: h=10 m=42
